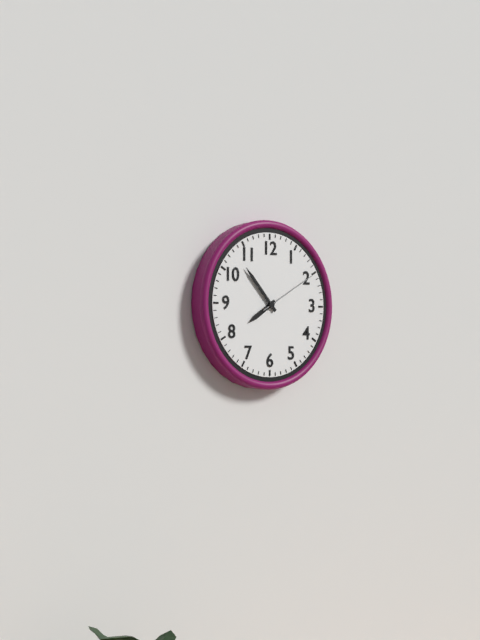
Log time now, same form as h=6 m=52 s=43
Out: h=7 m=53 s=10
